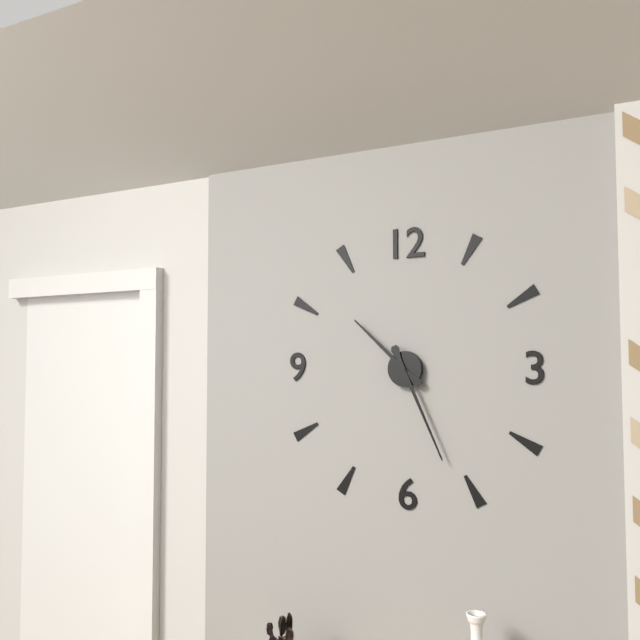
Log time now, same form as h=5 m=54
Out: h=10 m=26
